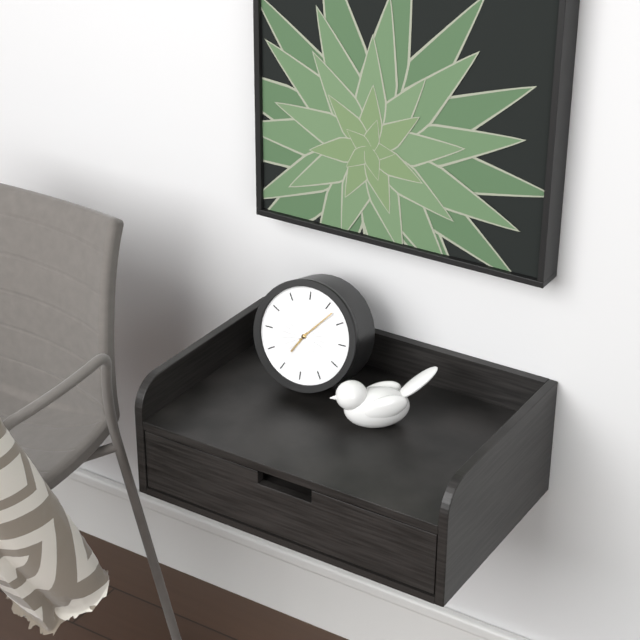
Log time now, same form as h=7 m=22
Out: h=7 m=7
